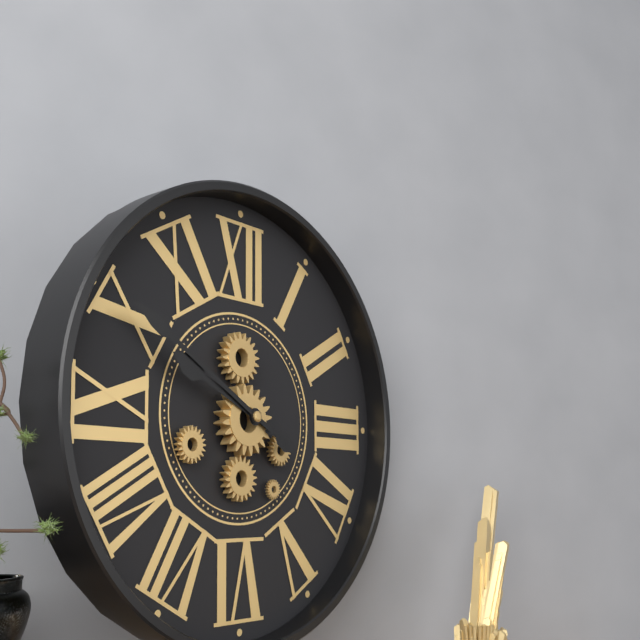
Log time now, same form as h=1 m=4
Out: h=9 m=50
